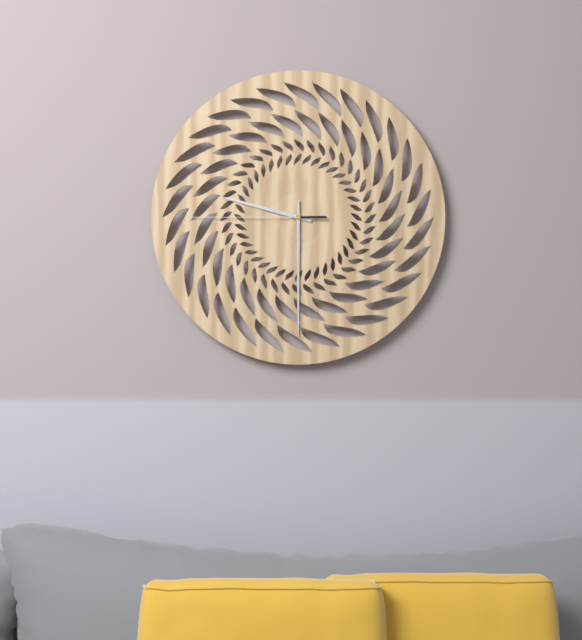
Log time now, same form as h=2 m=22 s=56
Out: h=9 m=30 s=45
